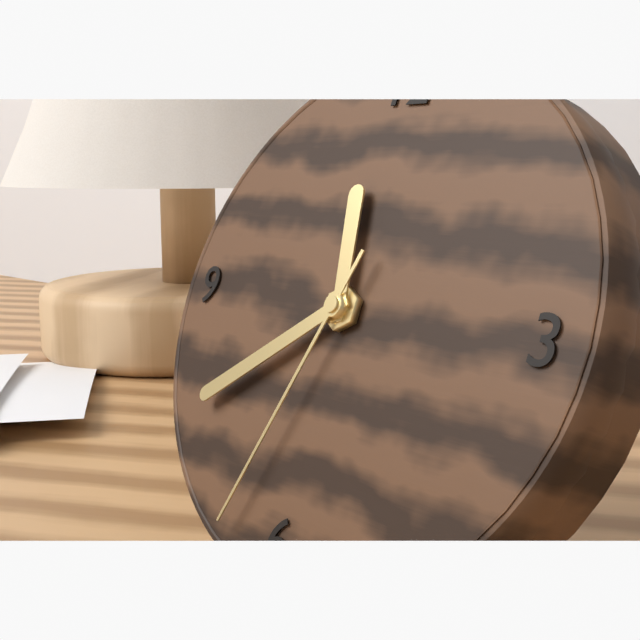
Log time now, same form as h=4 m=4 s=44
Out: h=11 m=39 s=33
